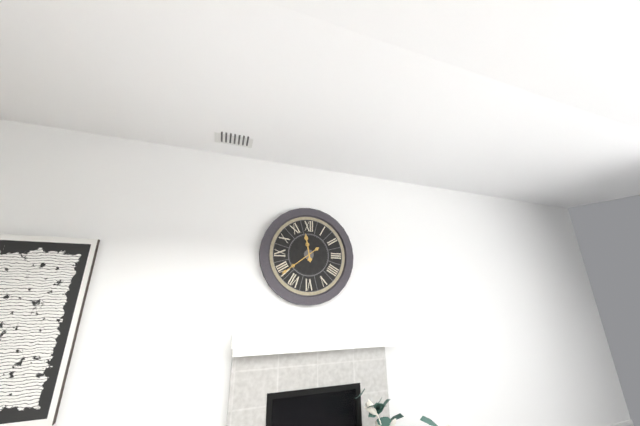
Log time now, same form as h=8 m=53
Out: h=11 m=39
